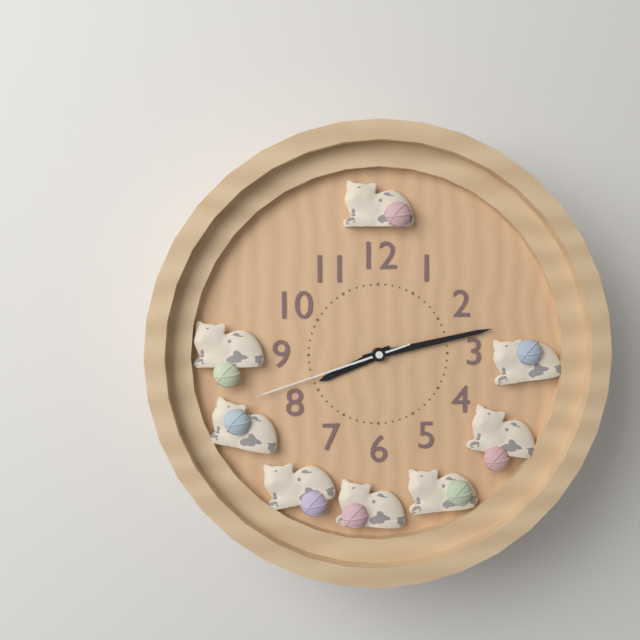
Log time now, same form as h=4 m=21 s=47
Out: h=8 m=13 s=42
